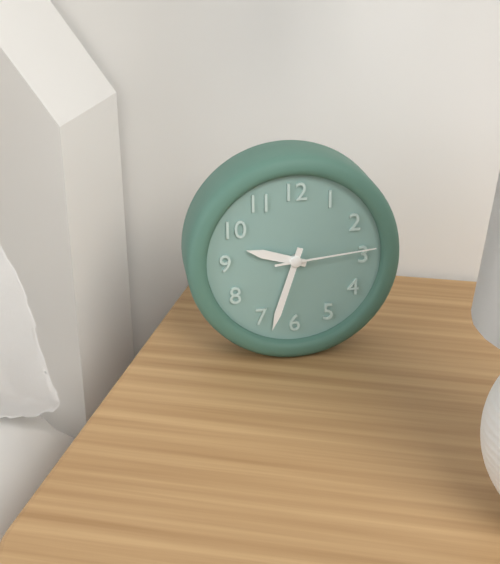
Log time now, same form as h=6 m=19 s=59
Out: h=9 m=33 s=14
